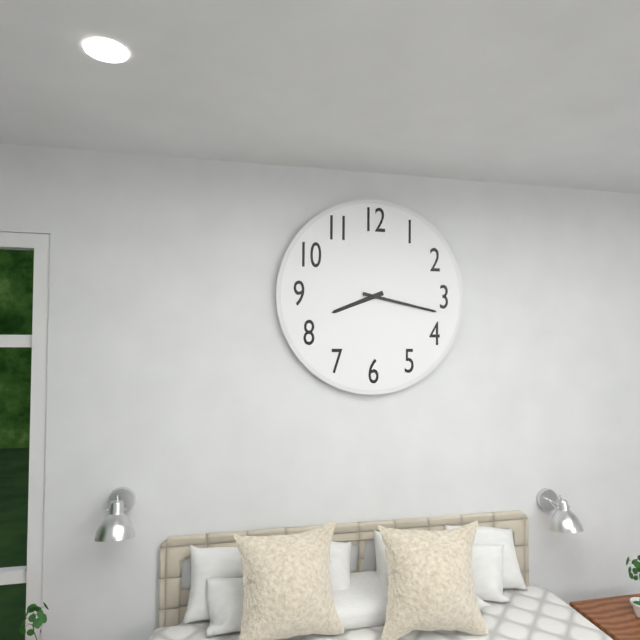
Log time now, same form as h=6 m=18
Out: h=8 m=17
